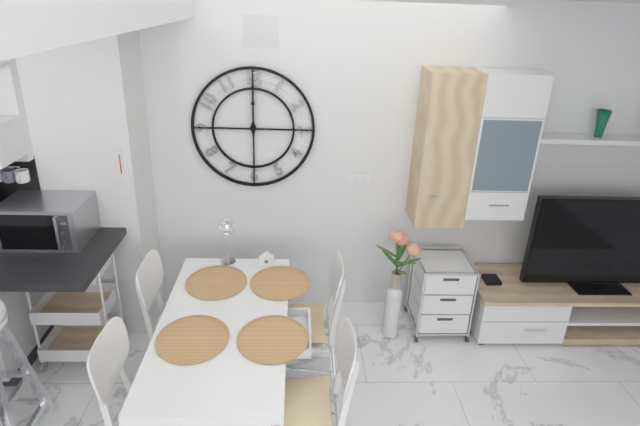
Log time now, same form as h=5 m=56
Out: h=12 m=0
